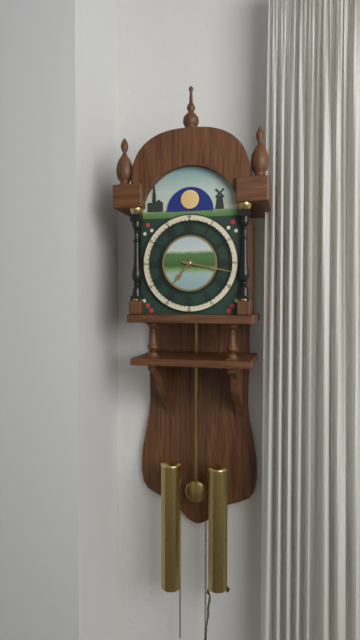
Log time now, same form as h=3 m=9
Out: h=7 m=17
